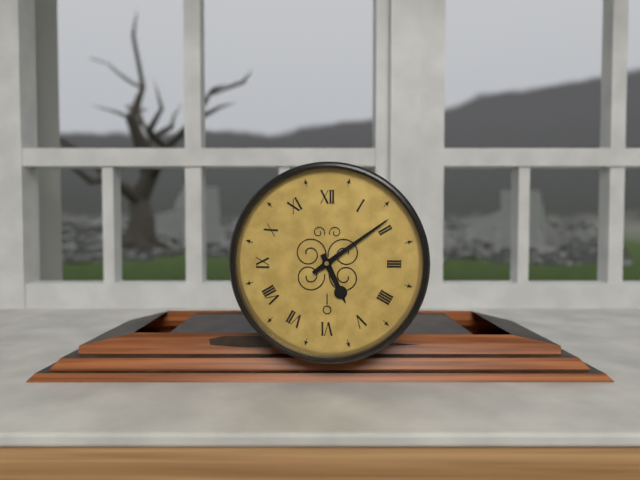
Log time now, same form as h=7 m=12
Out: h=5 m=9
